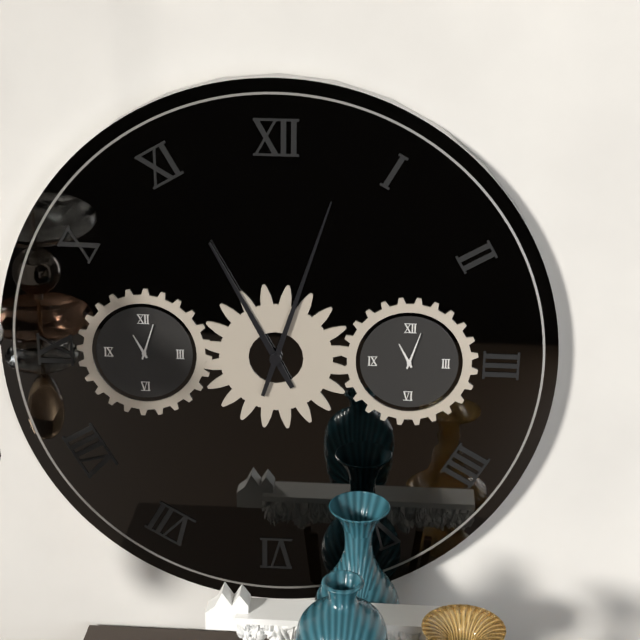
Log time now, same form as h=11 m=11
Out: h=11 m=3
